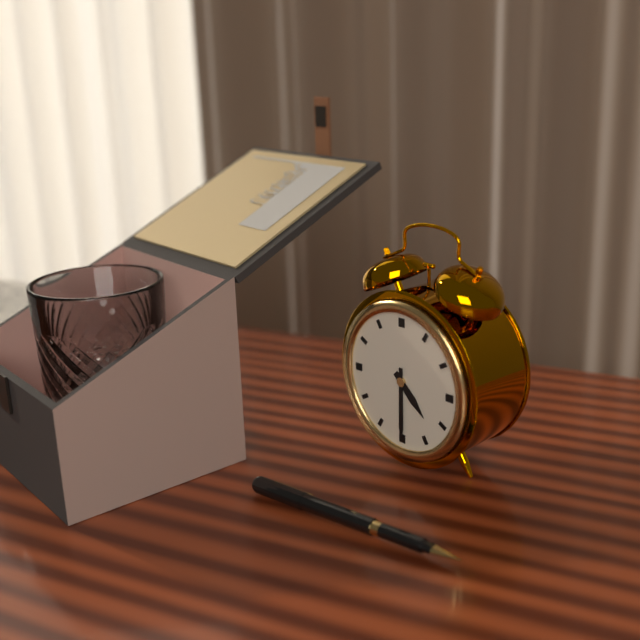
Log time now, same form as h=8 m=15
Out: h=4 m=30
